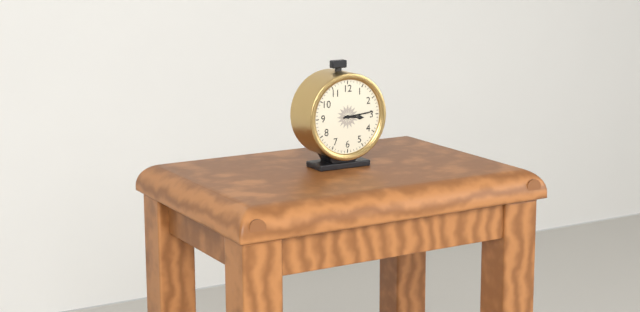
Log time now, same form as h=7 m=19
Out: h=3 m=14
